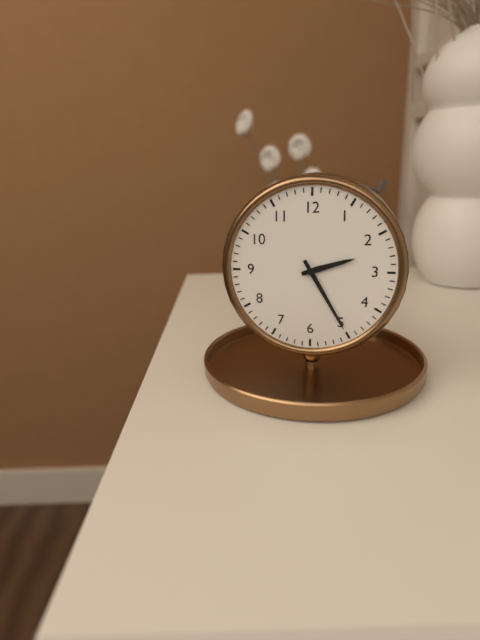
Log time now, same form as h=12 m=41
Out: h=2 m=25
